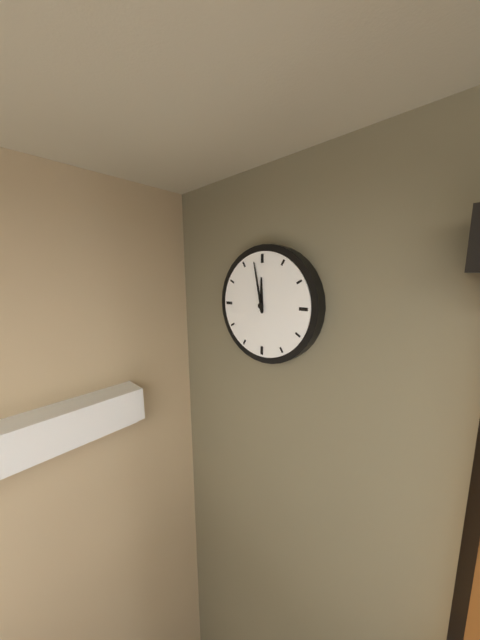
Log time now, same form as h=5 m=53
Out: h=11 m=58
